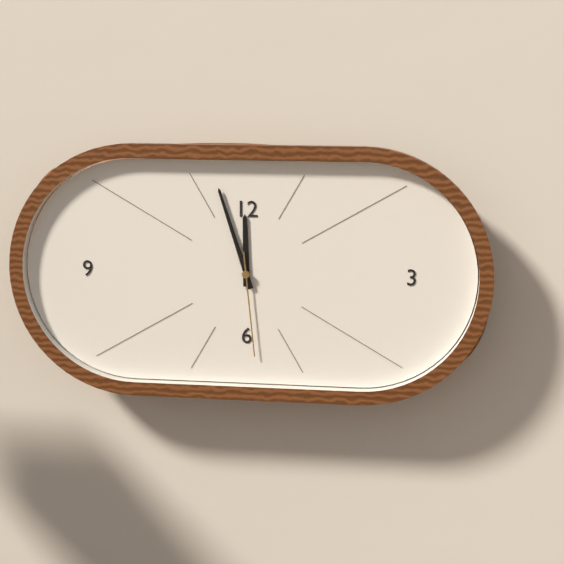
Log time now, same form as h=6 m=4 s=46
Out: h=11 m=57 s=29
